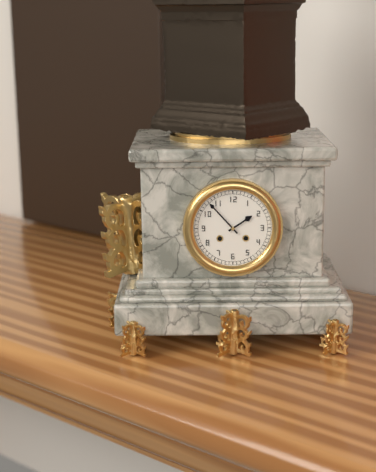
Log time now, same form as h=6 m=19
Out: h=1 m=53
